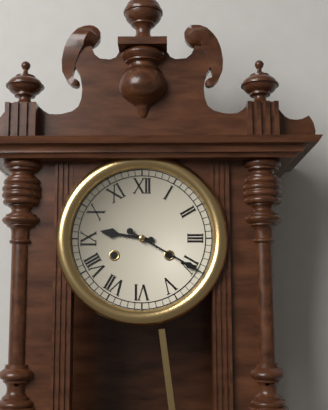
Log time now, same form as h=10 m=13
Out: h=9 m=20
